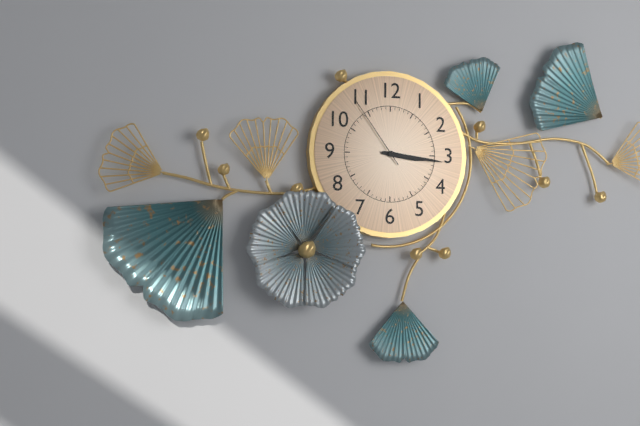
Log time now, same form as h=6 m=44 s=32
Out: h=3 m=16 s=54
